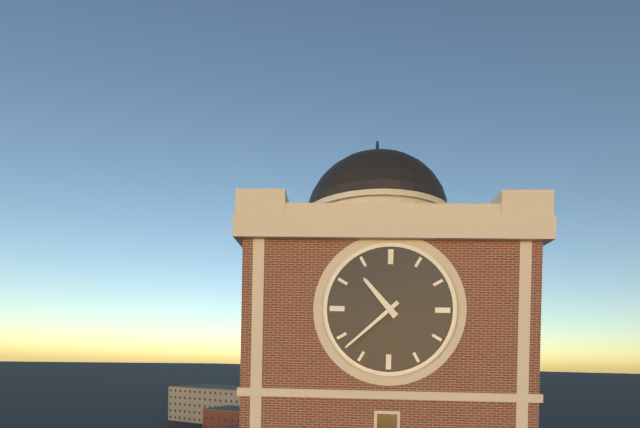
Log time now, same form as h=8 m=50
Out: h=10 m=38
